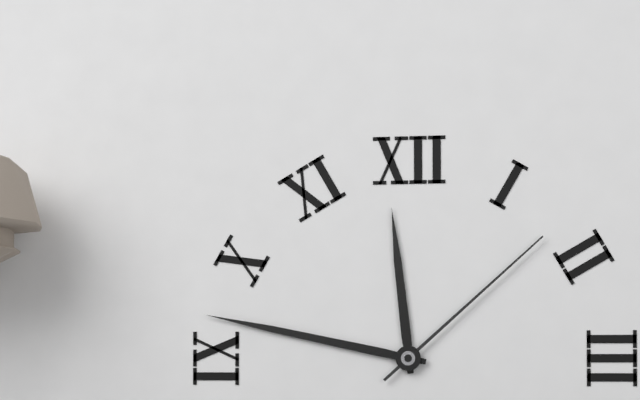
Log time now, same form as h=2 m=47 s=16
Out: h=11 m=47 s=8
